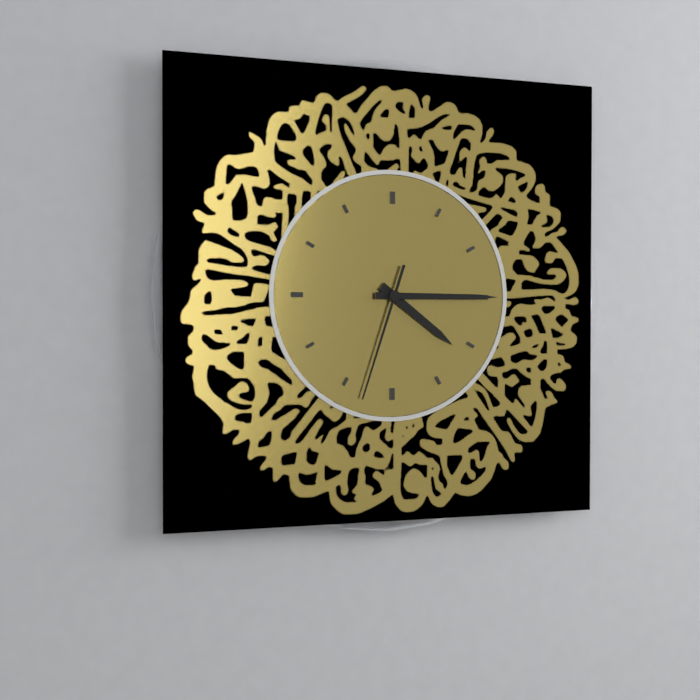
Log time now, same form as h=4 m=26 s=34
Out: h=4 m=15 s=33
